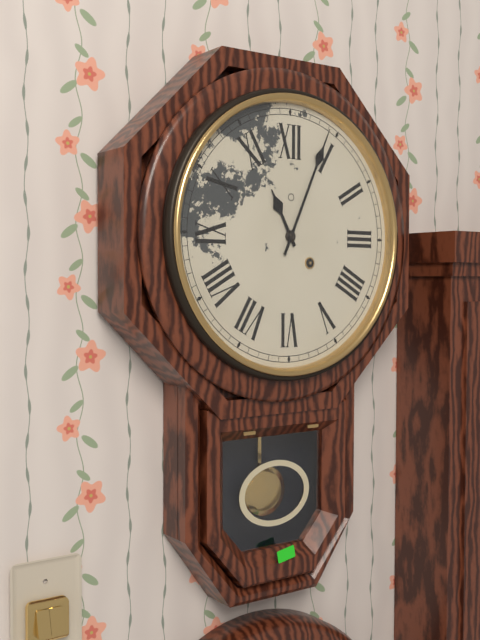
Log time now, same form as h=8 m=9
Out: h=11 m=4
